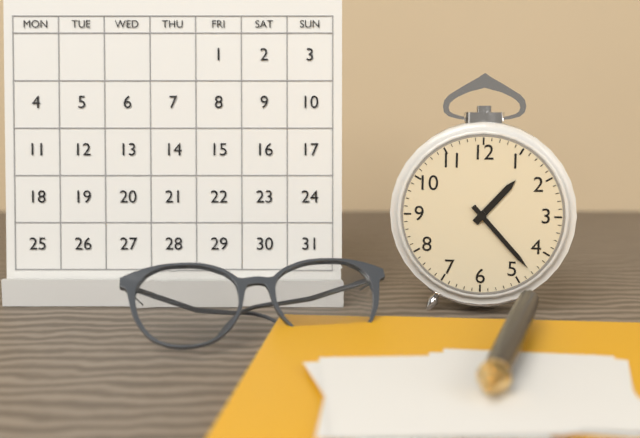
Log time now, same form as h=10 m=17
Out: h=1 m=23
